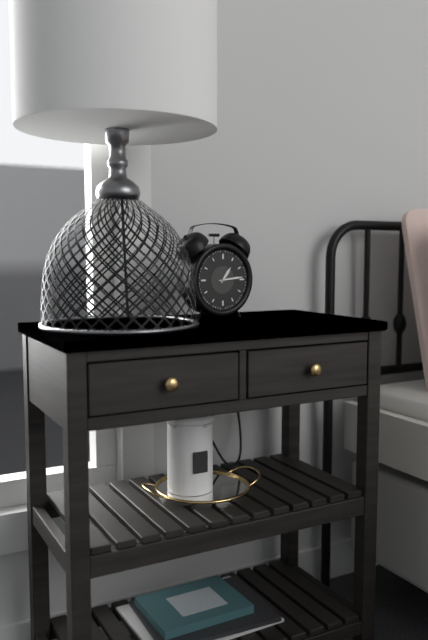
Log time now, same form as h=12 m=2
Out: h=1 m=14
